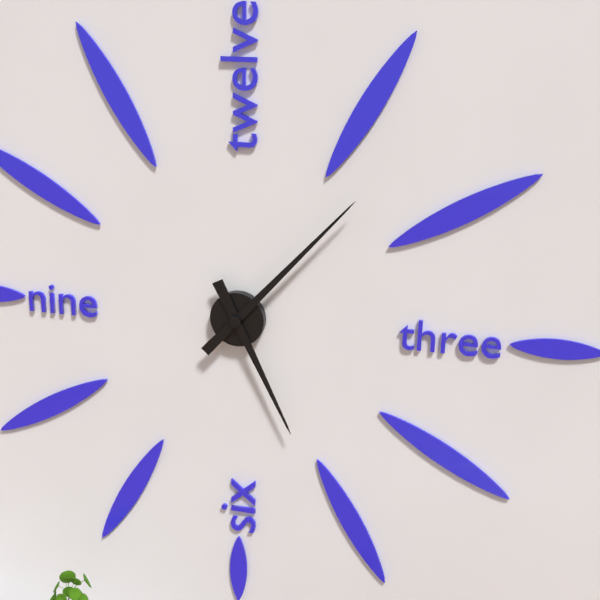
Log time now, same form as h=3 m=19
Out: h=5 m=7
